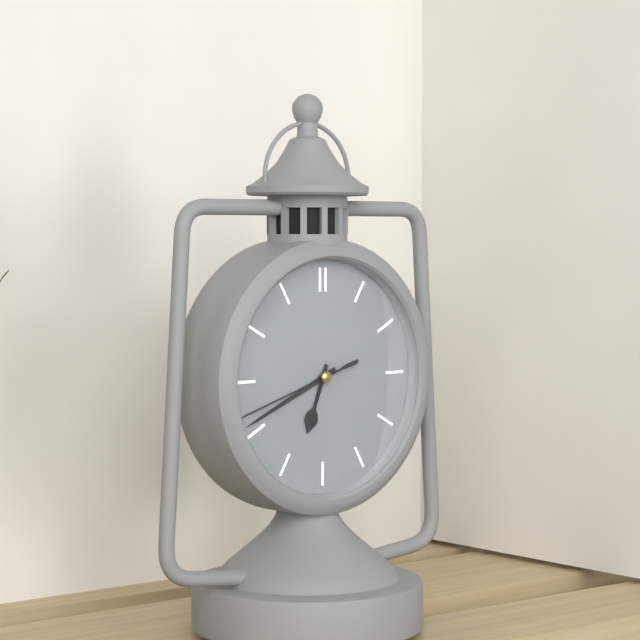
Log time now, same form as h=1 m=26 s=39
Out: h=6 m=41 s=42
